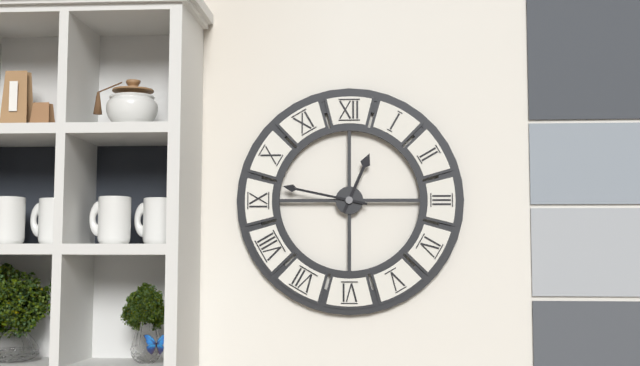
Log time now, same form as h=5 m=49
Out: h=12 m=47
